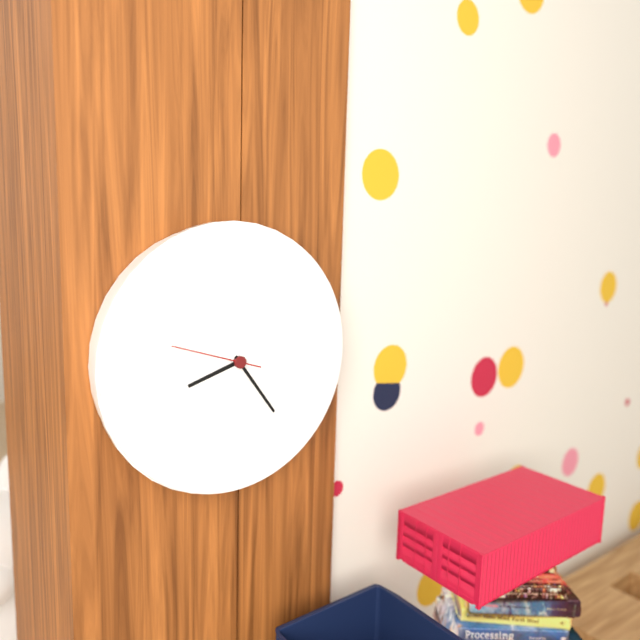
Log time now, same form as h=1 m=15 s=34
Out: h=8 m=24 s=48
